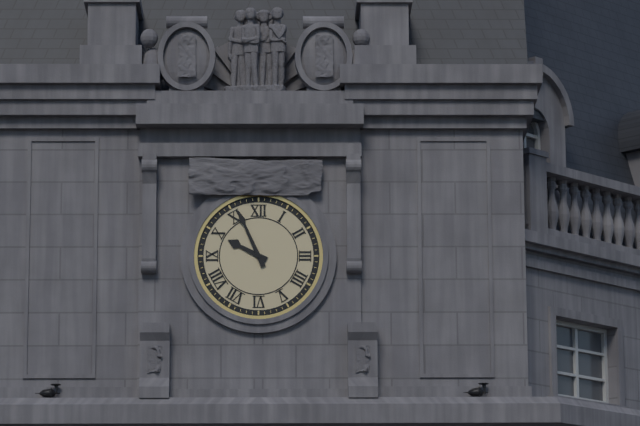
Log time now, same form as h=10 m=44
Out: h=9 m=56
